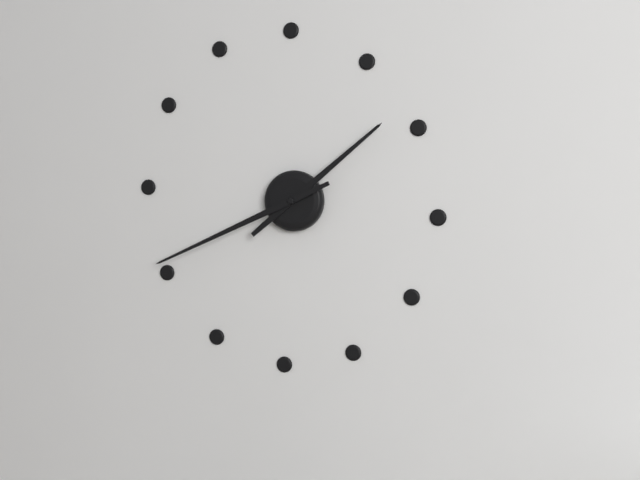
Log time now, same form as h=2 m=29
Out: h=1 m=41
